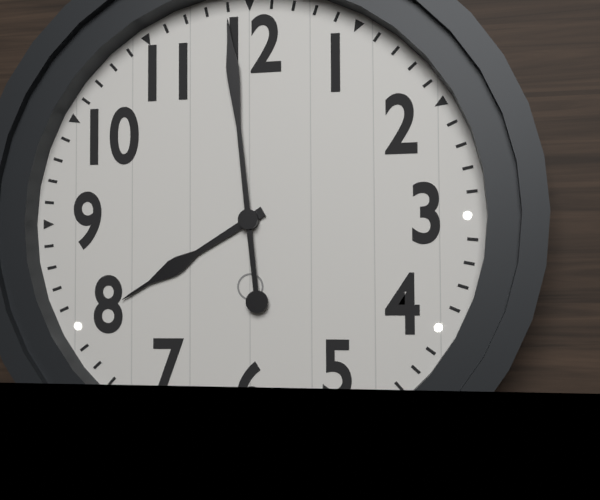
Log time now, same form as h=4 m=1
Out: h=7 m=59
